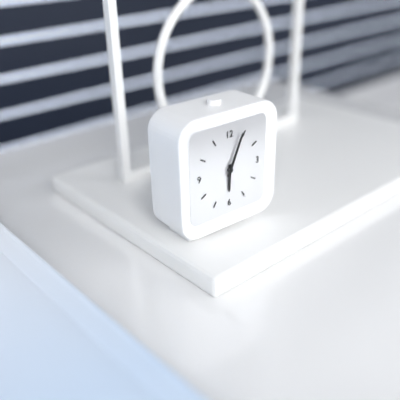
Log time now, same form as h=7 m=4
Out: h=6 m=4
